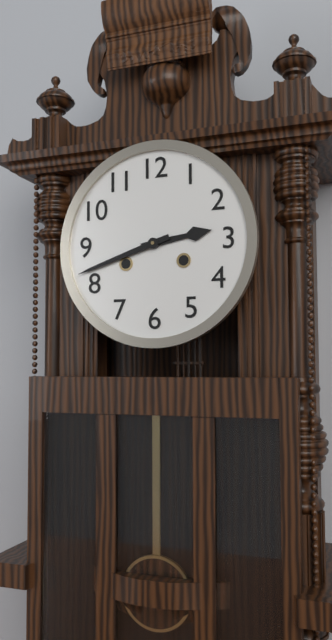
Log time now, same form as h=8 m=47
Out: h=2 m=42
